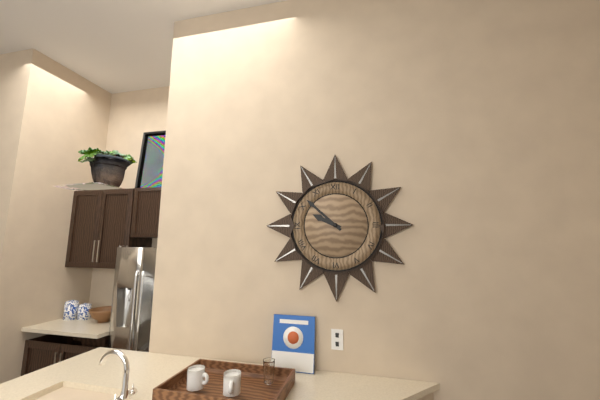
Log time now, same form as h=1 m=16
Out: h=9 m=52
